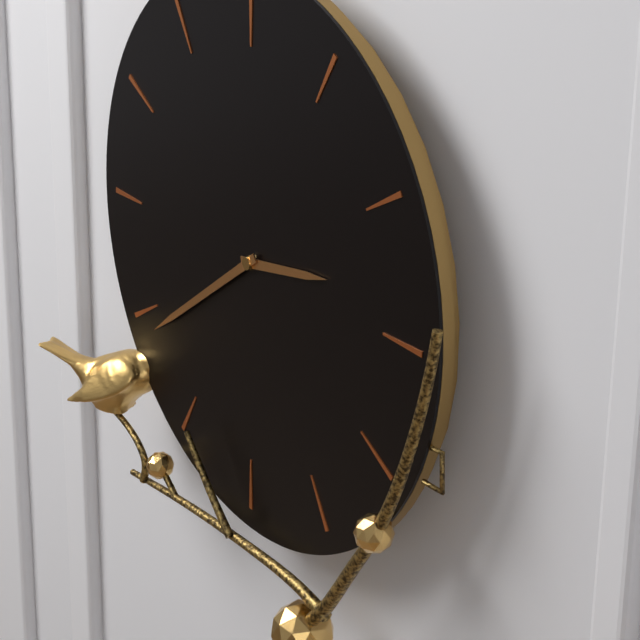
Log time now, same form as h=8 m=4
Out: h=2 m=39
